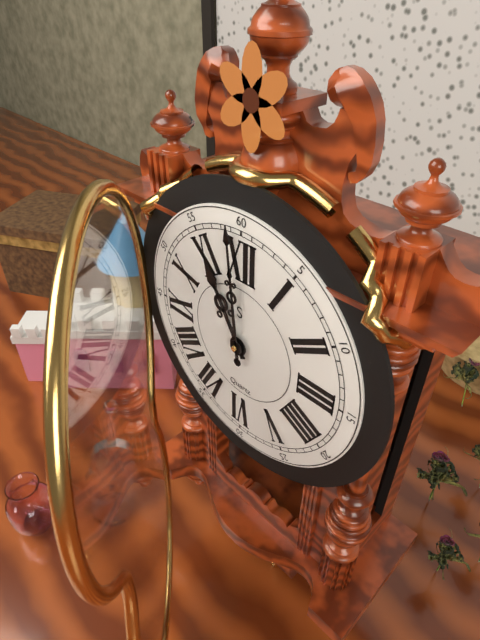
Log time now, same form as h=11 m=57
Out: h=10 m=59
